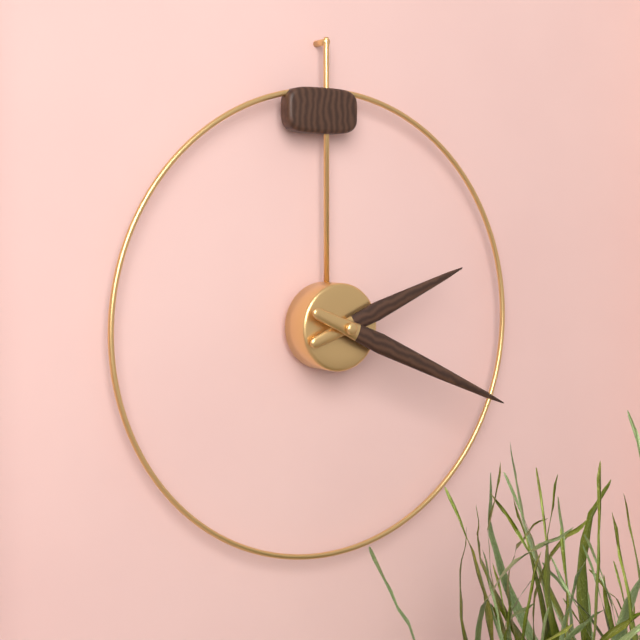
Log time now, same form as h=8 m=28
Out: h=2 m=19
